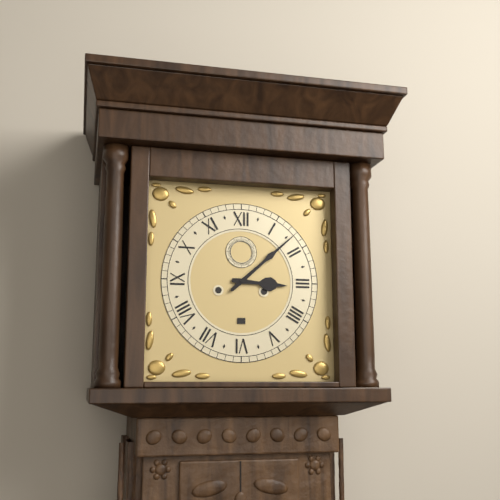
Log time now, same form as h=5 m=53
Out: h=3 m=8
